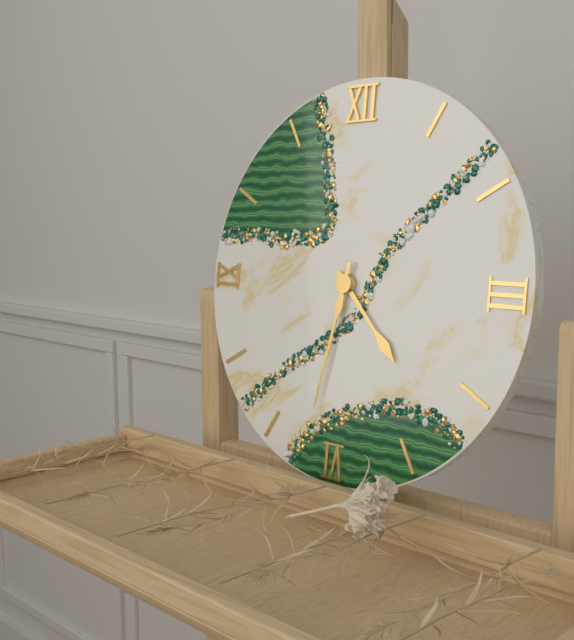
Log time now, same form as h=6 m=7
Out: h=4 m=32
